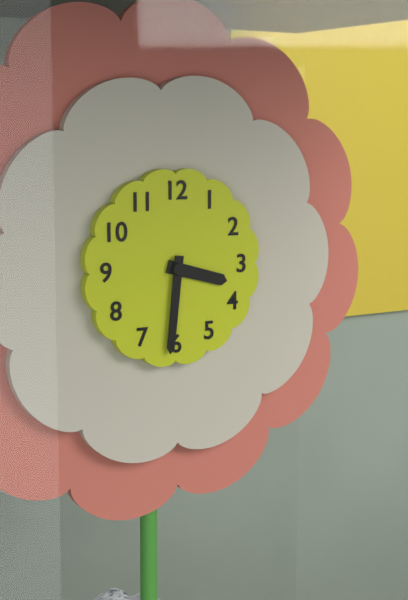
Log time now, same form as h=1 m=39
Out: h=3 m=31
